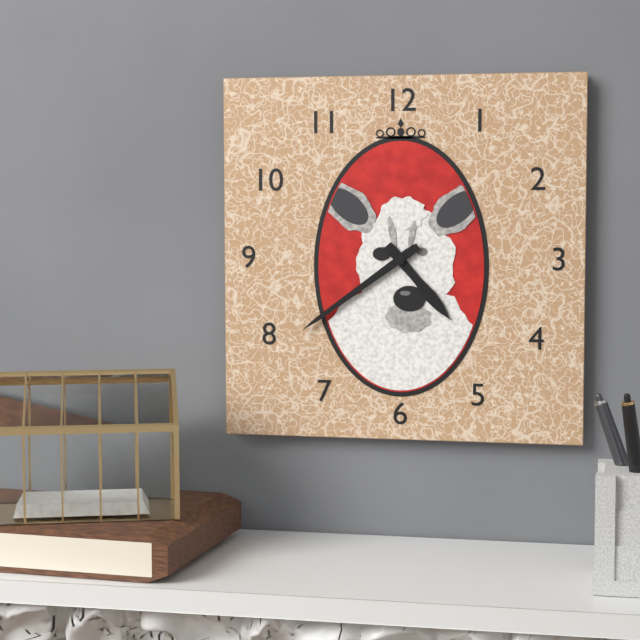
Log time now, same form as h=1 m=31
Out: h=4 m=39
